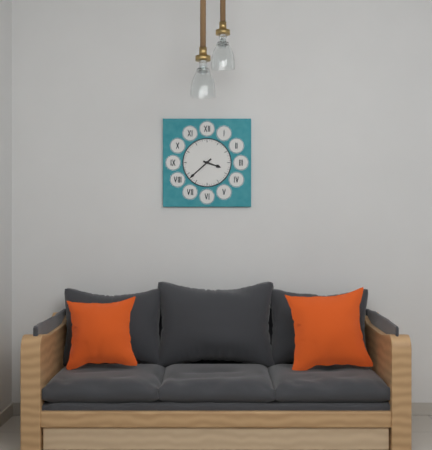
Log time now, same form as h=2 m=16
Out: h=3 m=38
